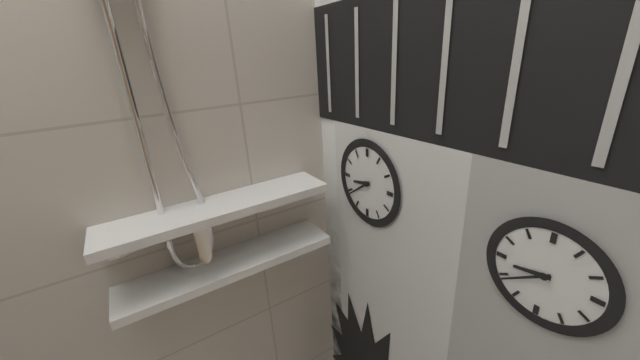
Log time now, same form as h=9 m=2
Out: h=8 m=39
